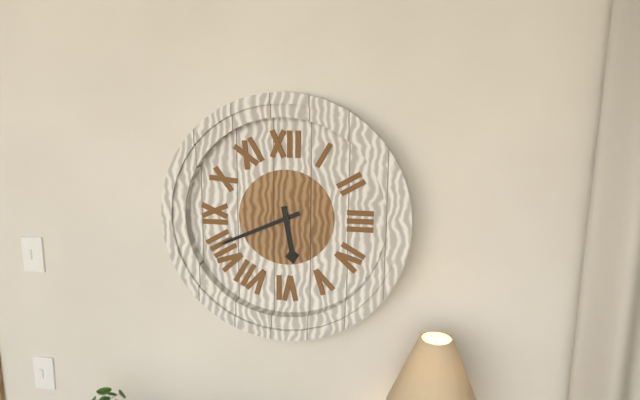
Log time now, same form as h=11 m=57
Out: h=5 m=41
